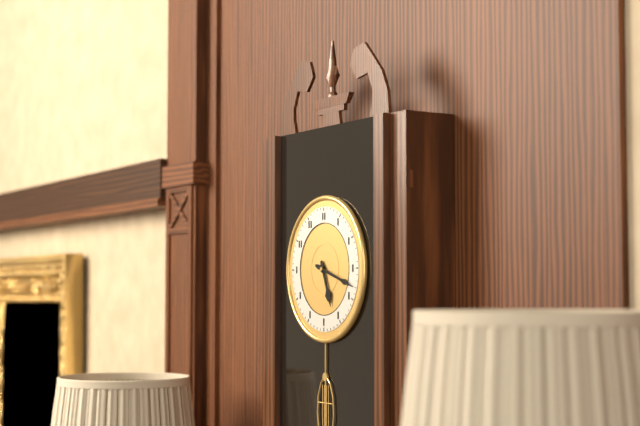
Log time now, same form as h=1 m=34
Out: h=5 m=18
